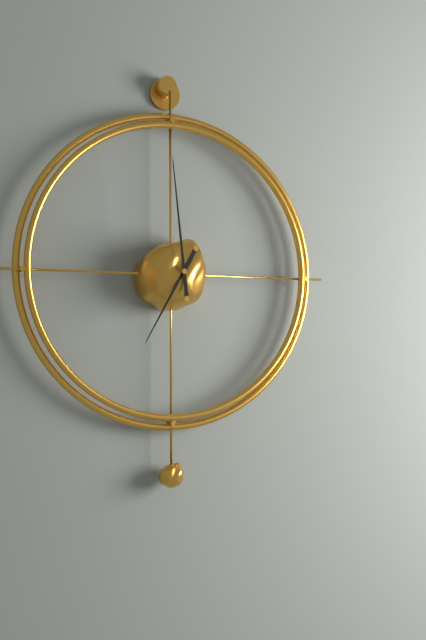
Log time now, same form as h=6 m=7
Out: h=6 m=59
